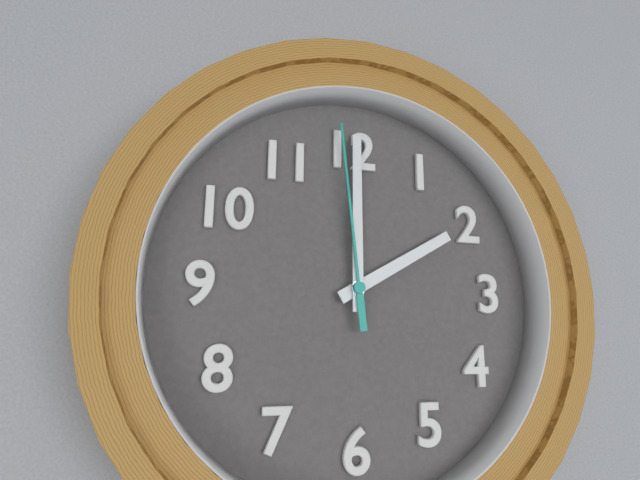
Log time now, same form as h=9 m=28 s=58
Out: h=2 m=0 s=59
